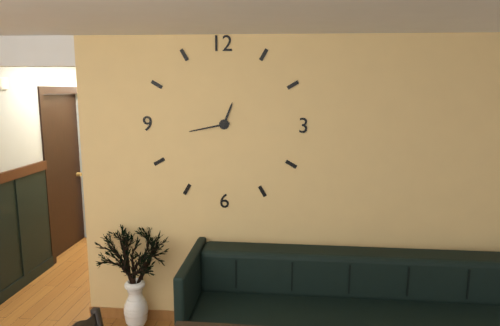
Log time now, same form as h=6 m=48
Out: h=12 m=43
